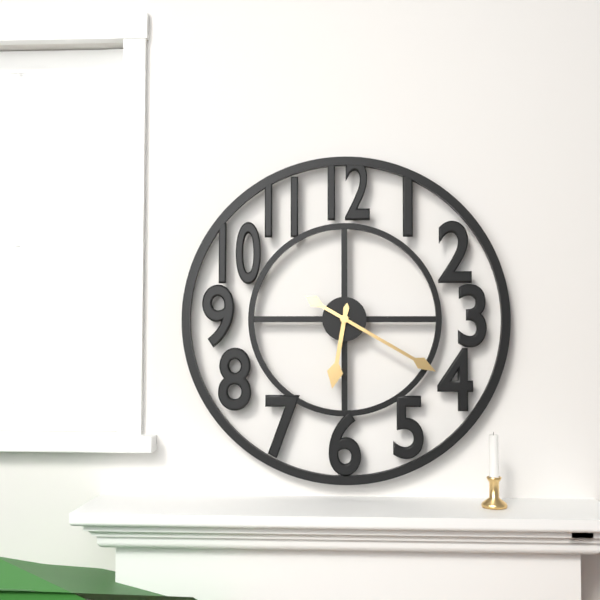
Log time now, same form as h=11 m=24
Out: h=6 m=20
